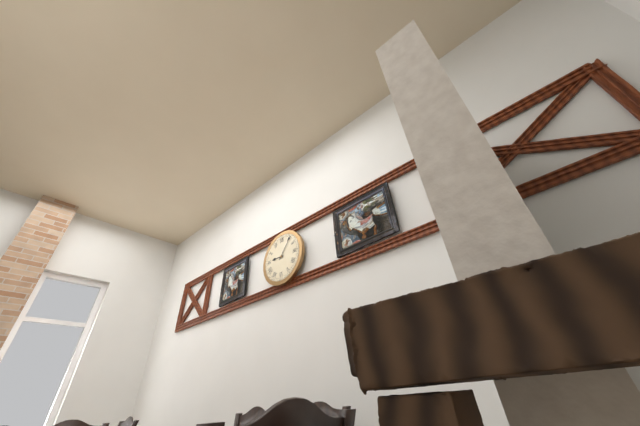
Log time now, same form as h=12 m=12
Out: h=9 m=6
